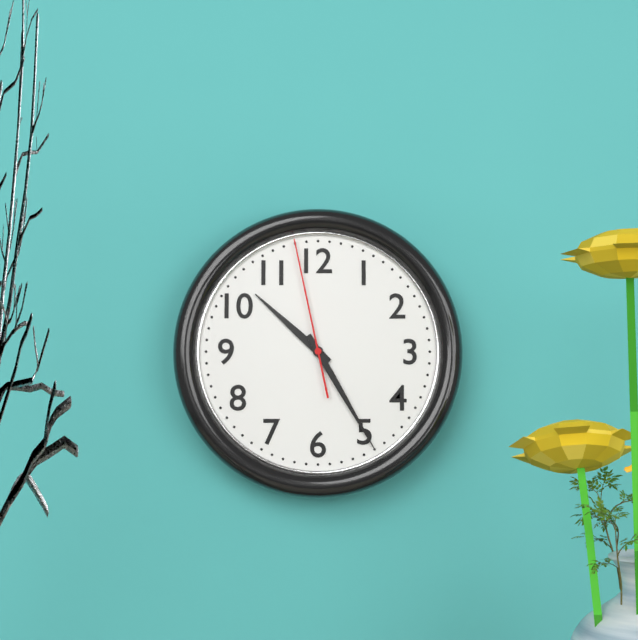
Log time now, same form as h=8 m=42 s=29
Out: h=10 m=25 s=58
